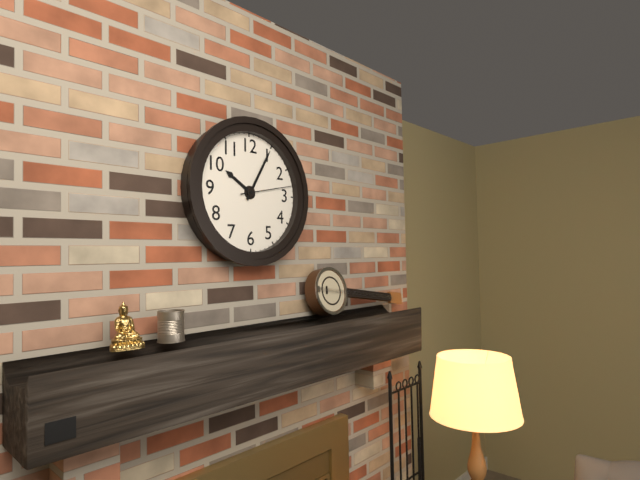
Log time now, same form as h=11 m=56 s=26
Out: h=10 m=5 s=13
